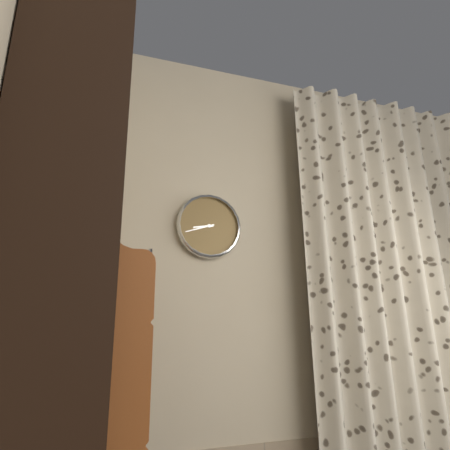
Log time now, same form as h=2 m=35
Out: h=8 m=42
